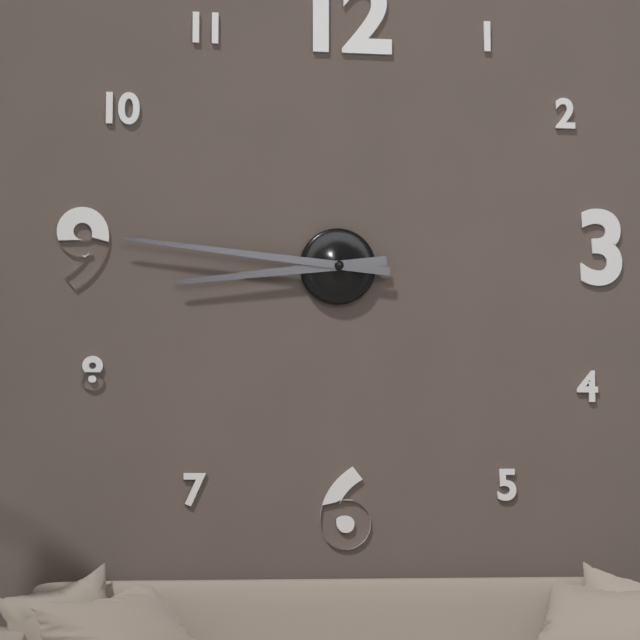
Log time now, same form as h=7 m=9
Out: h=8 m=46
